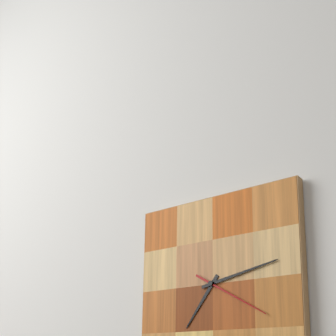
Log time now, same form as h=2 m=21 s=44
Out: h=7 m=13 s=20
